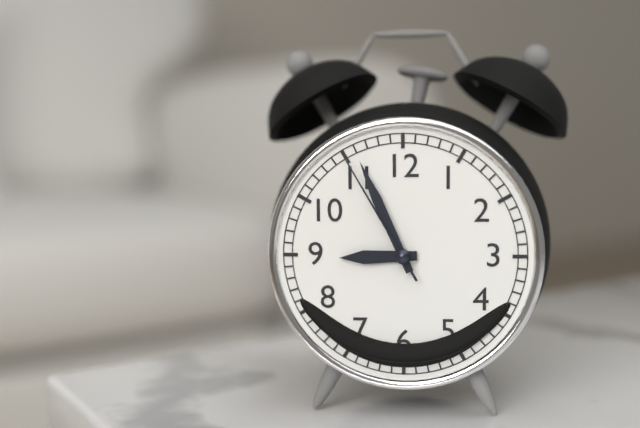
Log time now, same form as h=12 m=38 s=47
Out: h=8 m=56 s=55
